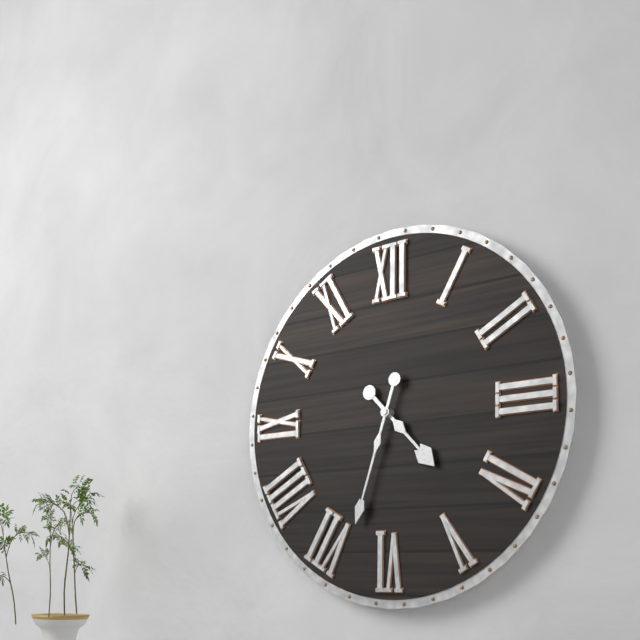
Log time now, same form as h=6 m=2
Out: h=4 m=33
